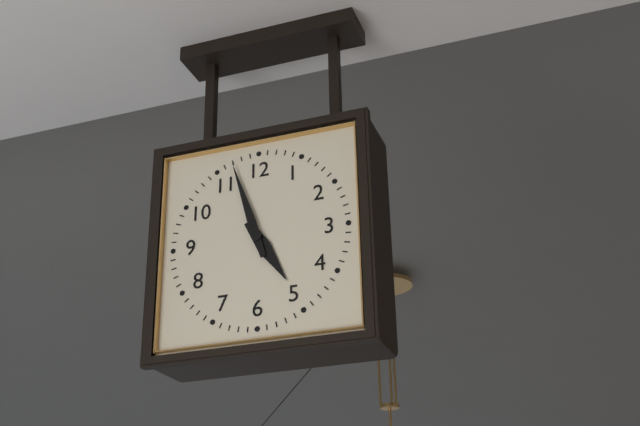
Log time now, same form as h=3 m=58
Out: h=4 m=57
